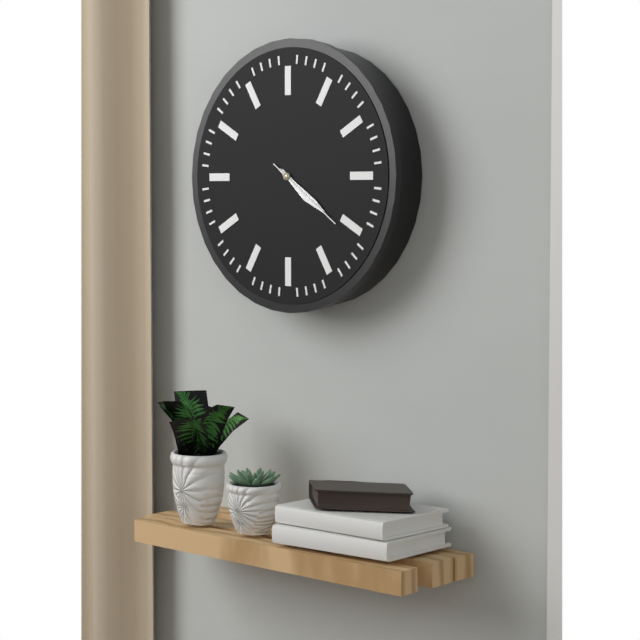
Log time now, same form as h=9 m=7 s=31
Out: h=4 m=21 s=21
